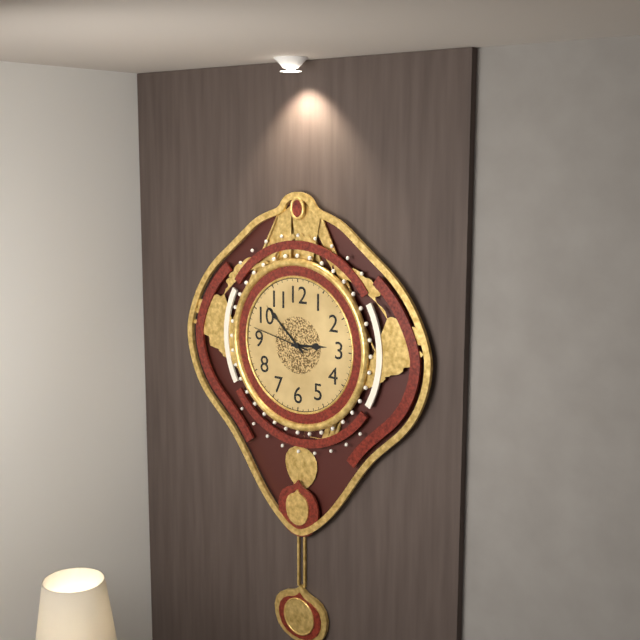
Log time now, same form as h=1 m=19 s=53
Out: h=2 m=52 s=47
